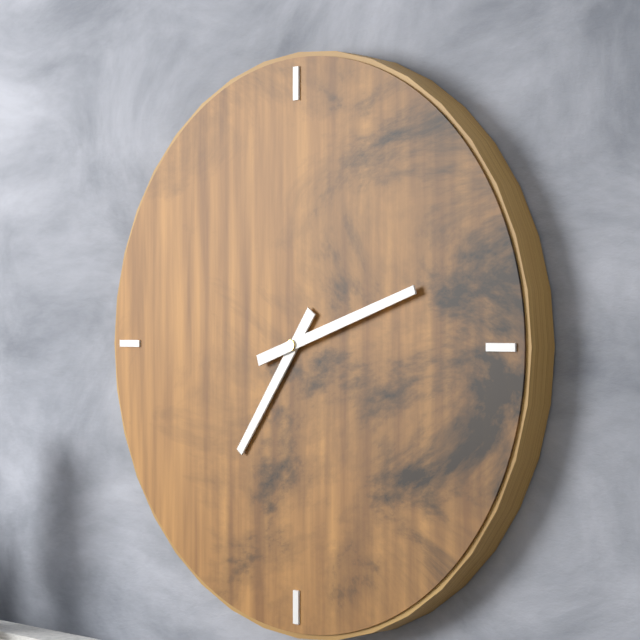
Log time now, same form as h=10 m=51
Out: h=7 m=12
